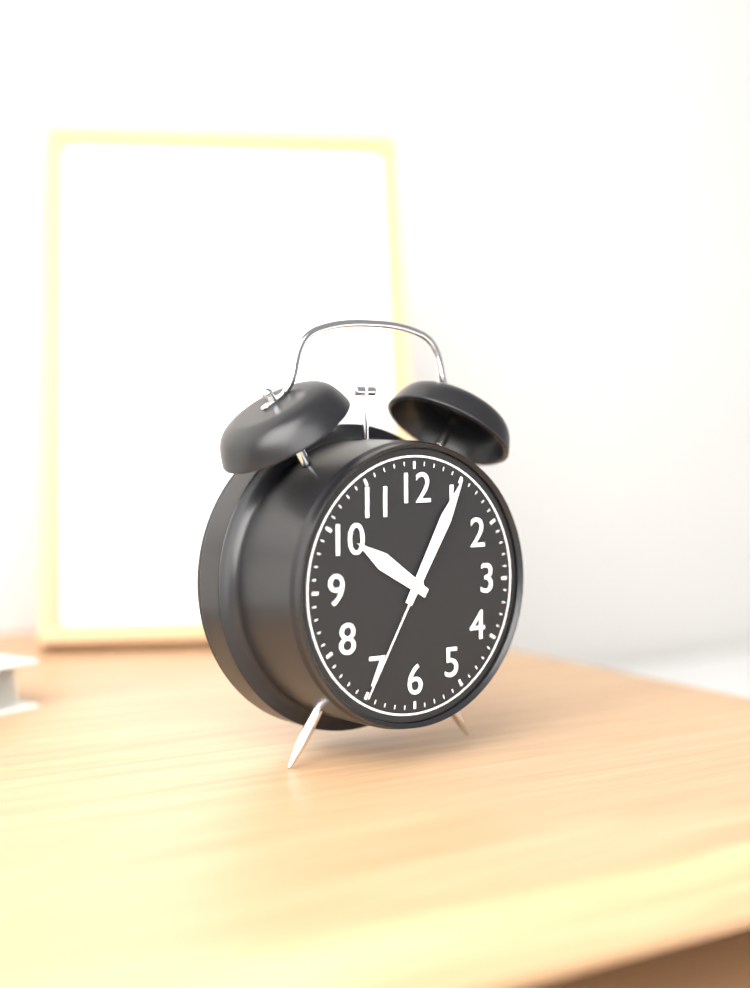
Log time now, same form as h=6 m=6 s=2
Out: h=10 m=5 s=35
